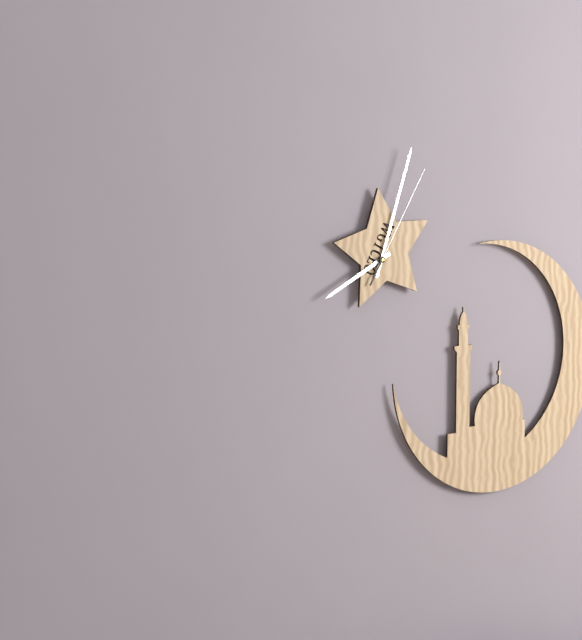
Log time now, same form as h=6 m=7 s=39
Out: h=8 m=3 s=5
